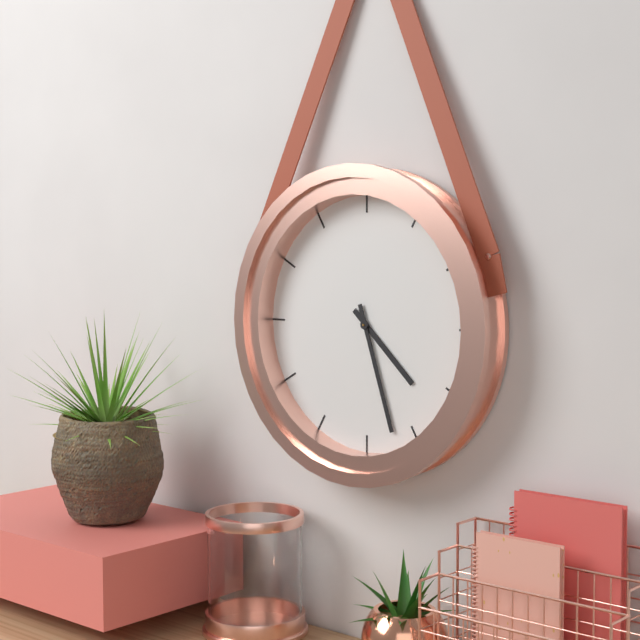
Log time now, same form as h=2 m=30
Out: h=4 m=27
